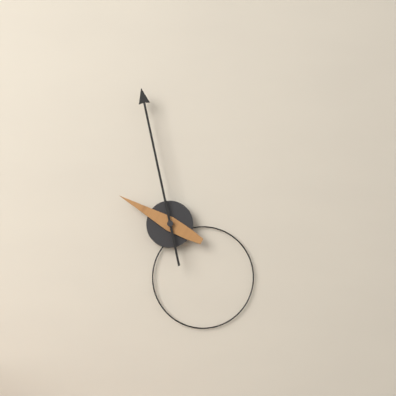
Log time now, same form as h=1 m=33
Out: h=9 m=58
